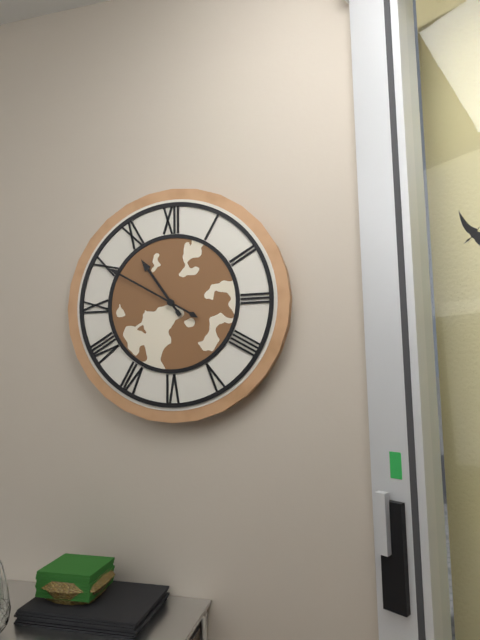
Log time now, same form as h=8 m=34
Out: h=10 m=50
